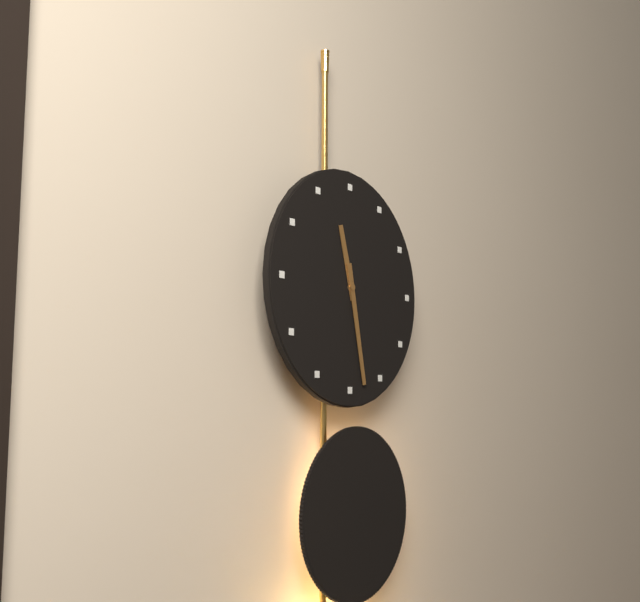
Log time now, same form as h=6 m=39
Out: h=11 m=28
